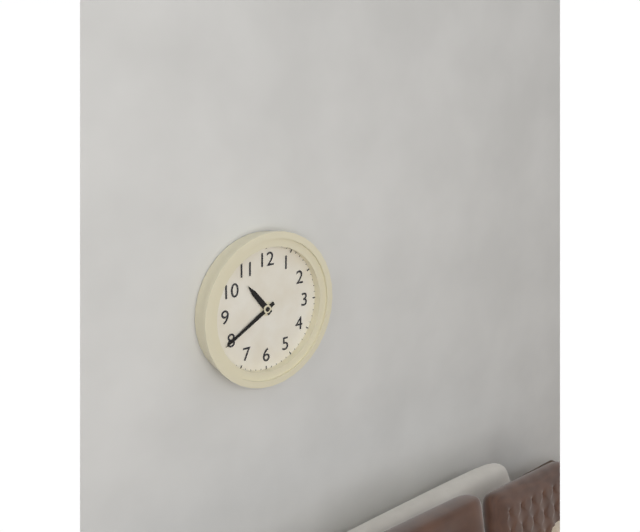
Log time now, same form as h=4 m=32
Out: h=10 m=40
